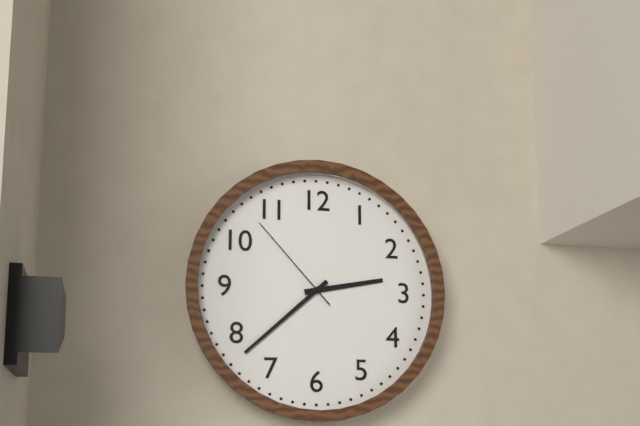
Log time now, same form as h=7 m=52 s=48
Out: h=2 m=38 s=53
